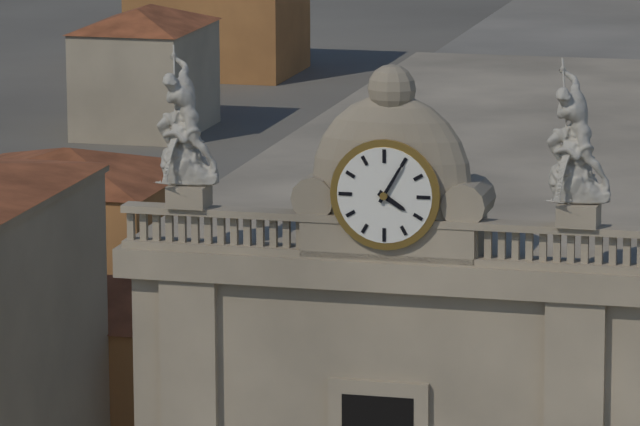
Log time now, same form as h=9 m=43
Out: h=4 m=5
